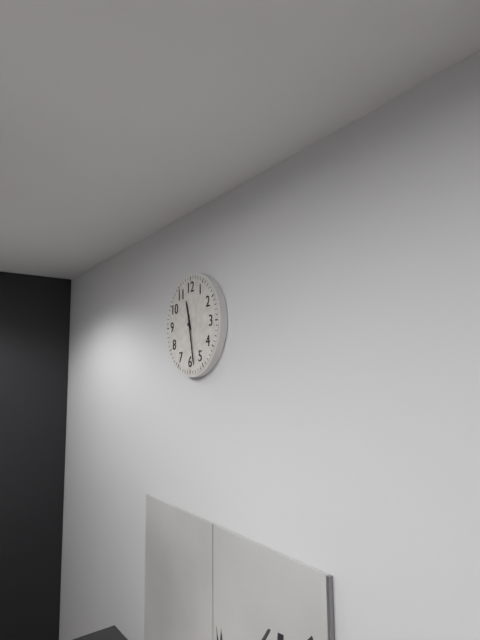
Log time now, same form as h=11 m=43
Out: h=11 m=28
